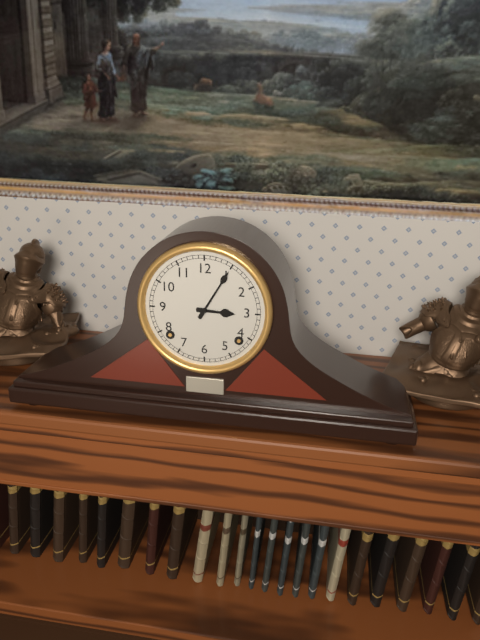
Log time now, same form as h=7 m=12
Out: h=3 m=5
